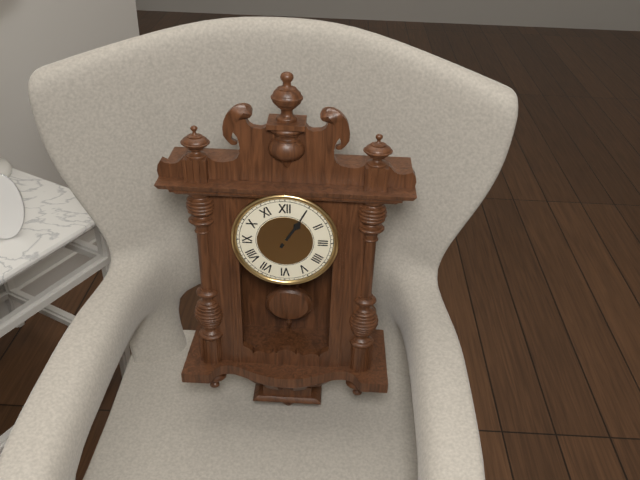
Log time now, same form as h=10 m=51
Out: h=1 m=5
